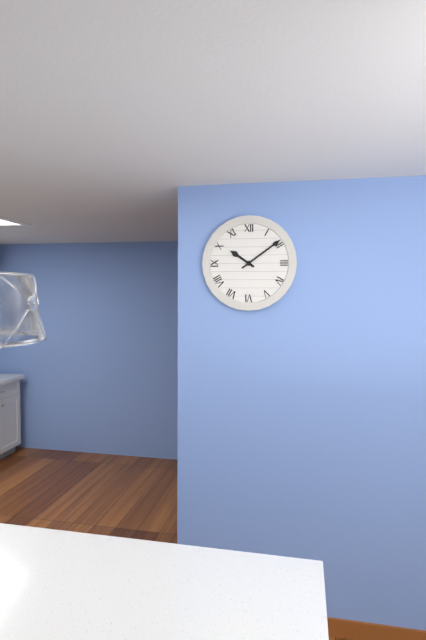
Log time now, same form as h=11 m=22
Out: h=10 m=9
